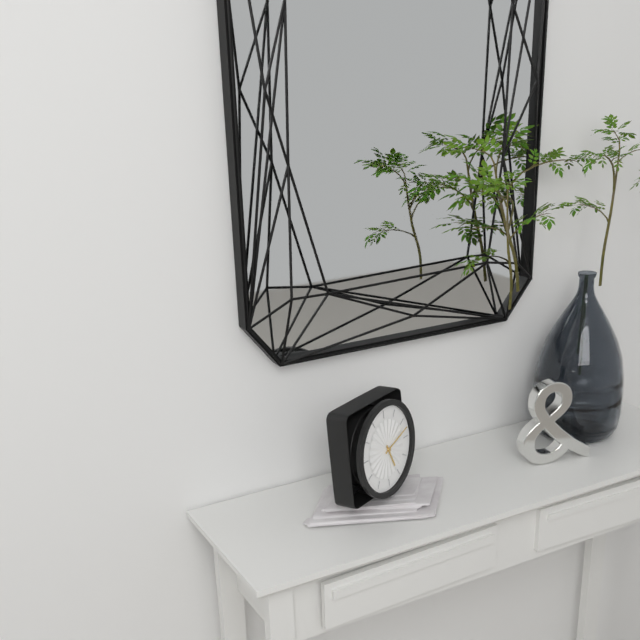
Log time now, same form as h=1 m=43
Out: h=5 m=12
